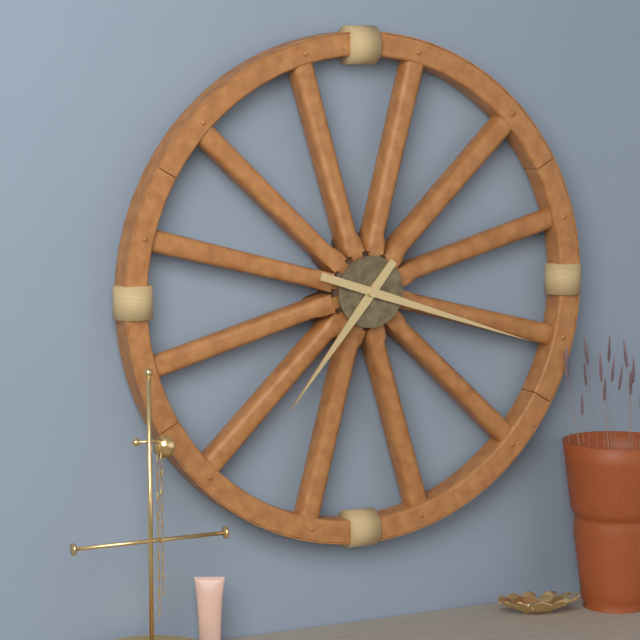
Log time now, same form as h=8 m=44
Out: h=7 m=18
